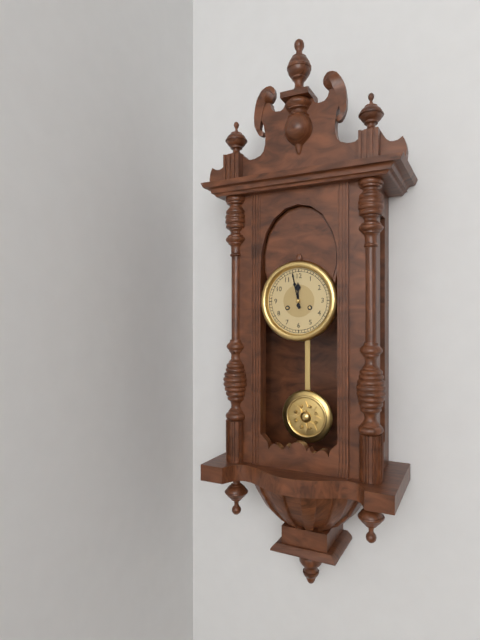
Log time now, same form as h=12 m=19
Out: h=11 m=58
